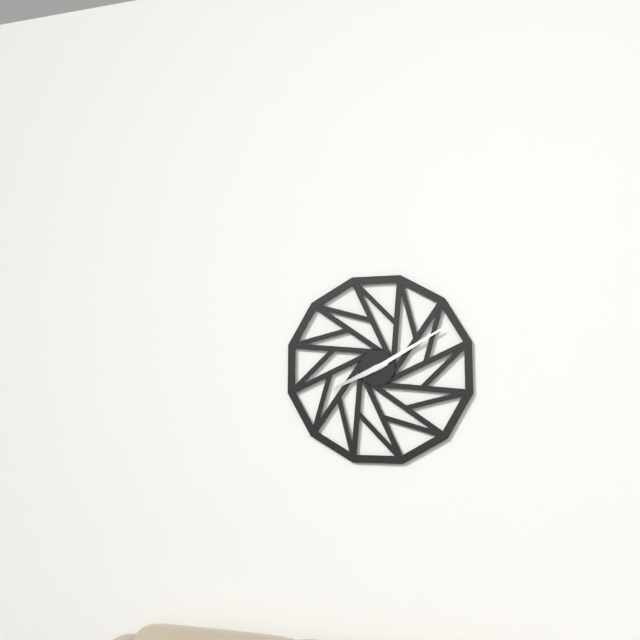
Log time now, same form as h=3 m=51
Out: h=8 m=10
